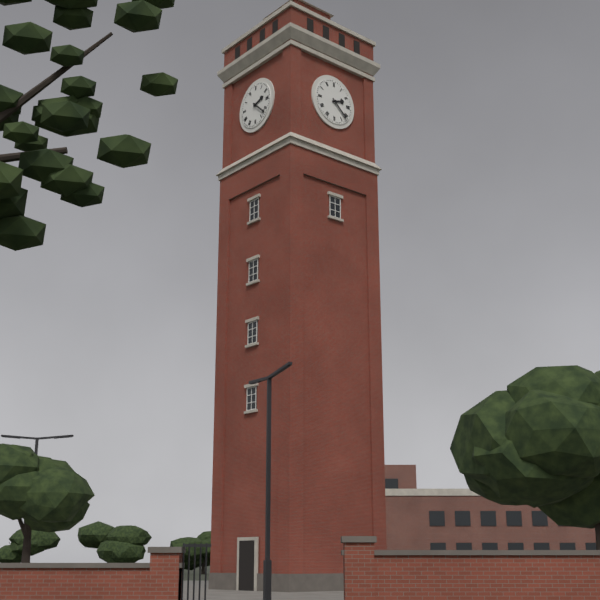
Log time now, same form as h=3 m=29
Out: h=2 m=22
